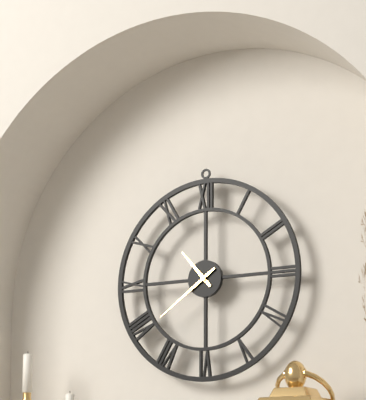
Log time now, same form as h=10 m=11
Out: h=10 m=39
